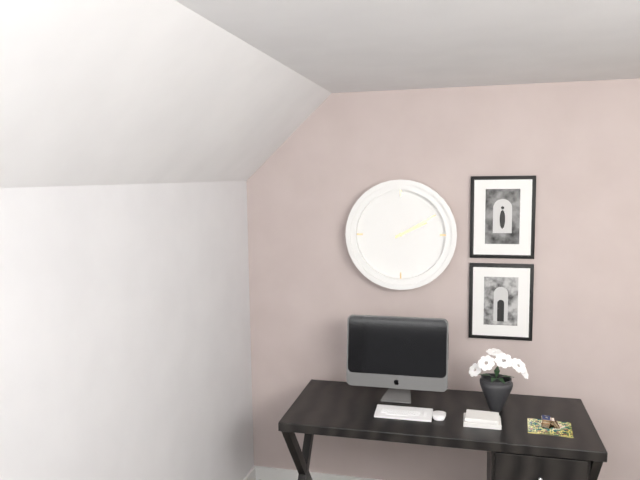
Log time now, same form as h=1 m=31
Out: h=2 m=10
